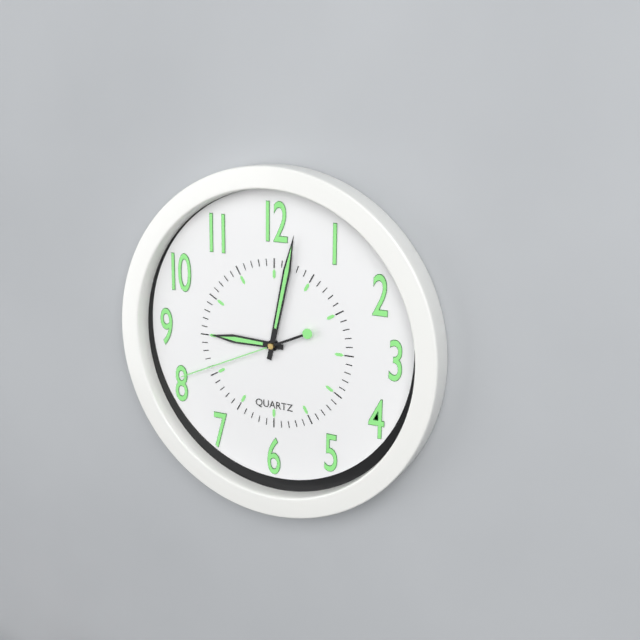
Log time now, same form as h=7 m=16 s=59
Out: h=9 m=2 s=41
